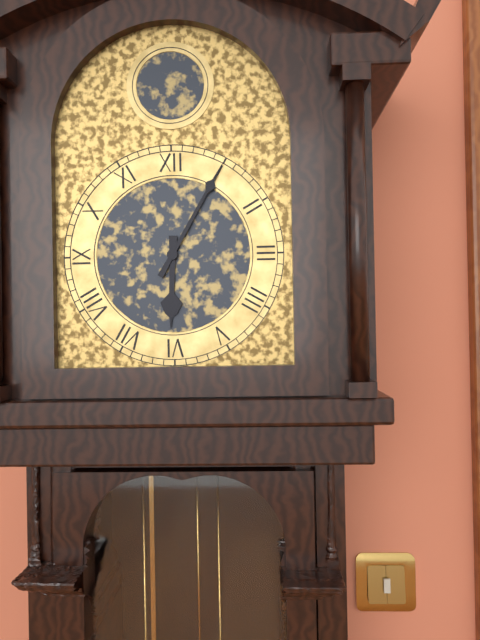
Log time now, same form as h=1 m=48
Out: h=6 m=5
